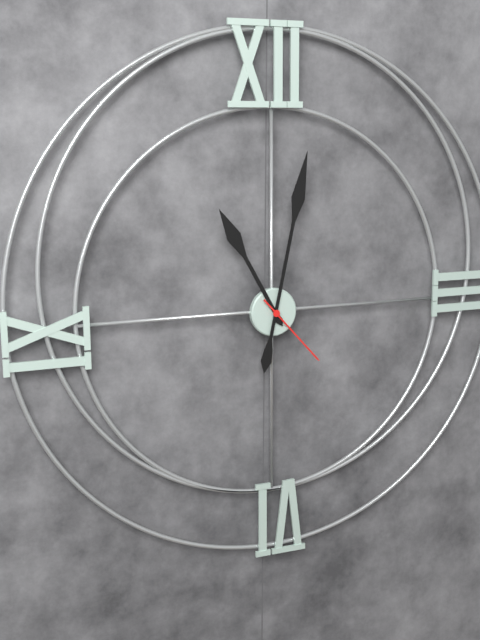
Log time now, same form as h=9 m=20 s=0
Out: h=11 m=2 s=23
